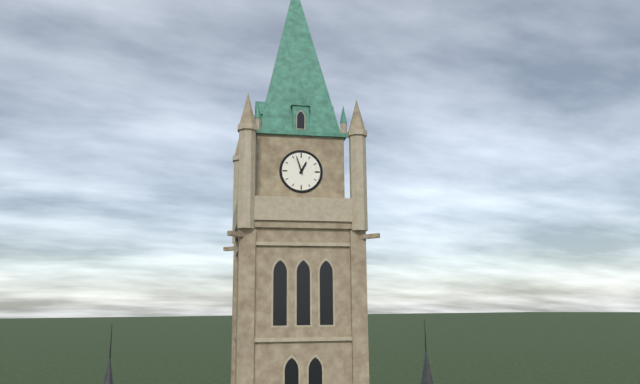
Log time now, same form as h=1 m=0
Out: h=12 m=57
